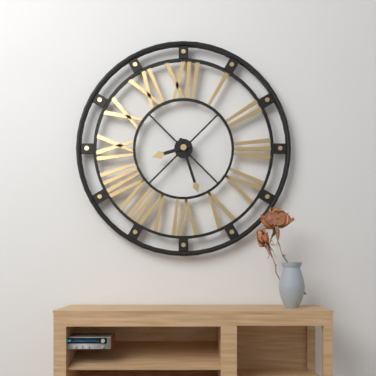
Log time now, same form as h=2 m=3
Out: h=8 m=27
